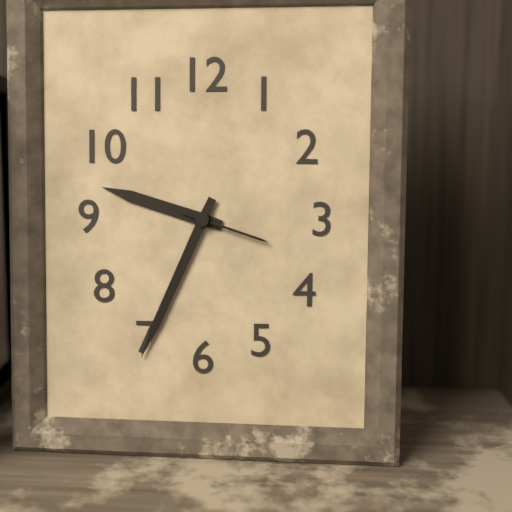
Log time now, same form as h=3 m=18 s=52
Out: h=9 m=34 s=18
